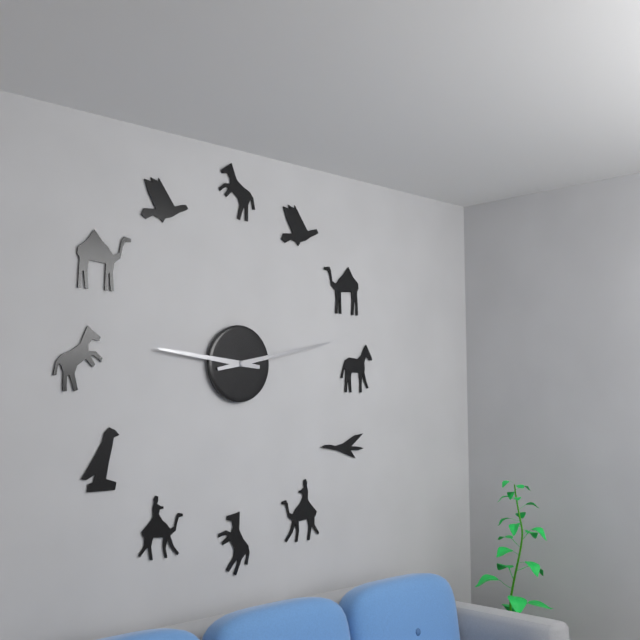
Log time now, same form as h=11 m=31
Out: h=9 m=13
